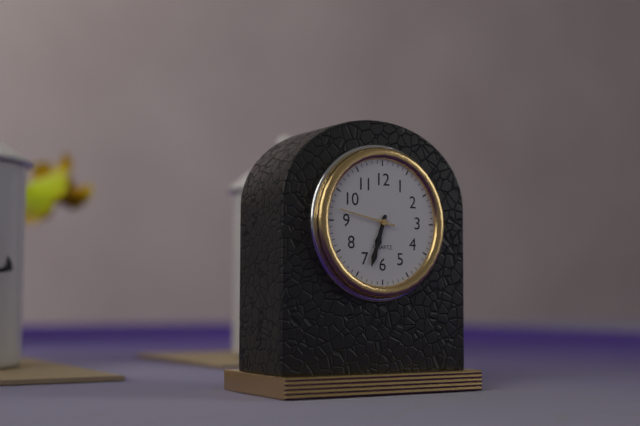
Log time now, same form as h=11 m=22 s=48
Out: h=6 m=33 s=47
